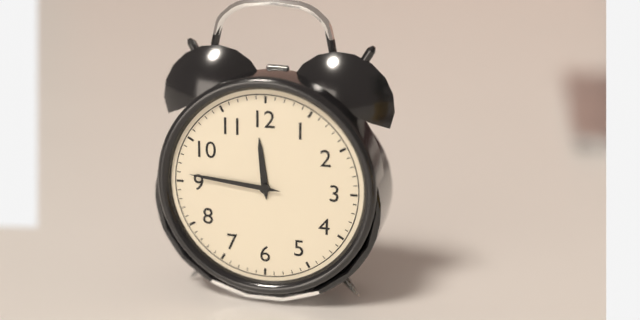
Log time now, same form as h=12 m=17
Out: h=11 m=46
